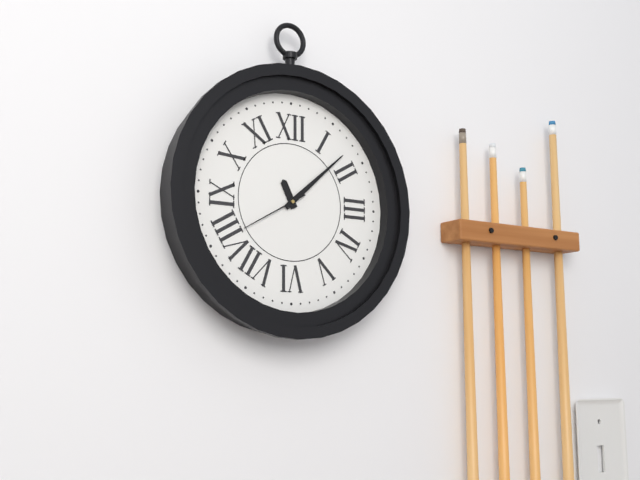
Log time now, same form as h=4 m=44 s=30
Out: h=11 m=8 s=40
